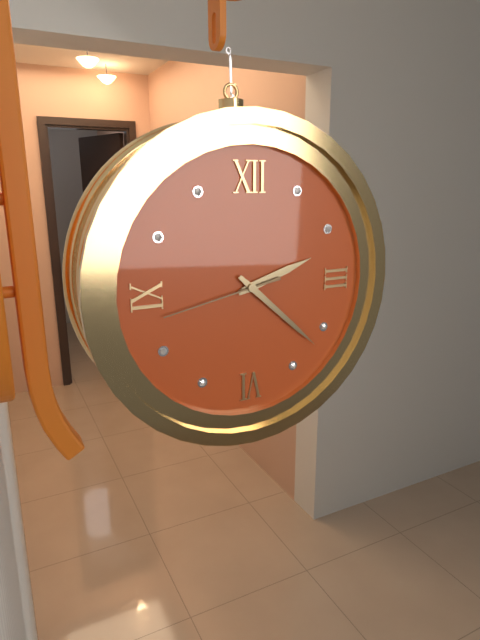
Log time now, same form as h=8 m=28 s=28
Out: h=2 m=22 s=43
